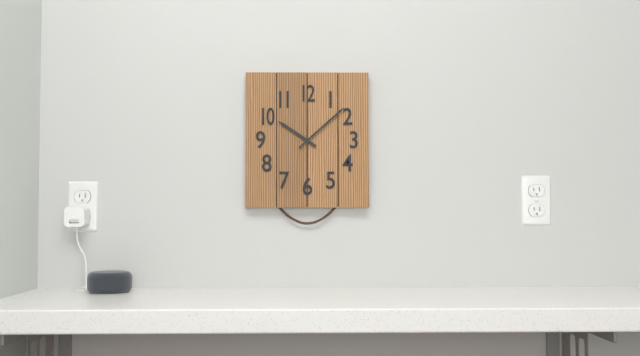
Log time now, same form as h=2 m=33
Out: h=10 m=8
